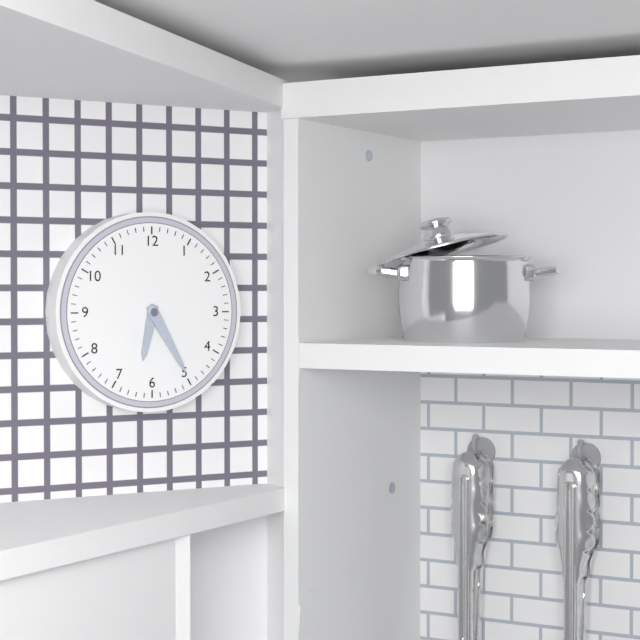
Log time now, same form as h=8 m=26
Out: h=6 m=25
